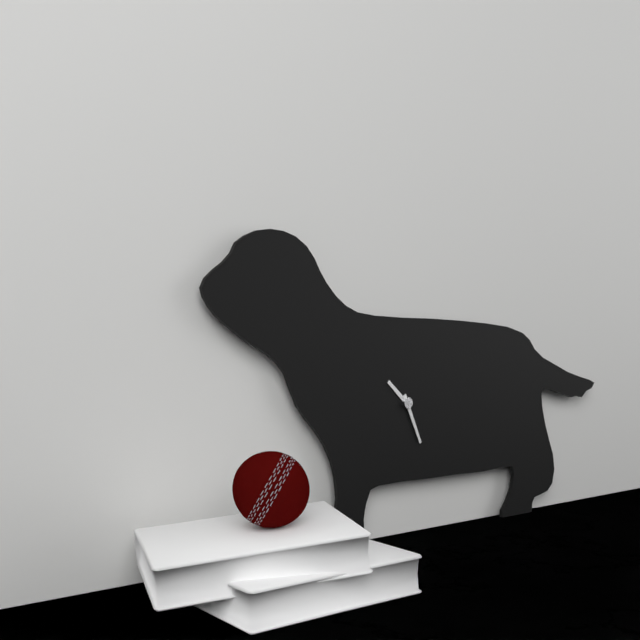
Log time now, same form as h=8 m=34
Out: h=10 m=26
